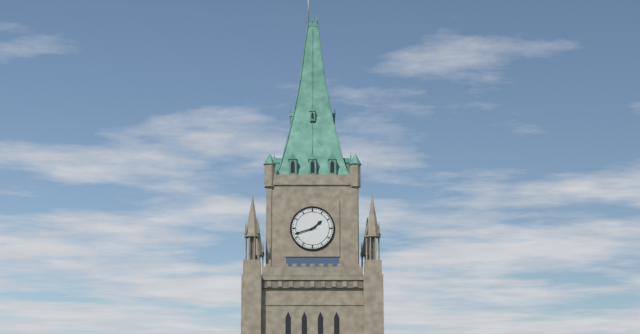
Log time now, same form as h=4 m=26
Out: h=1 m=42
